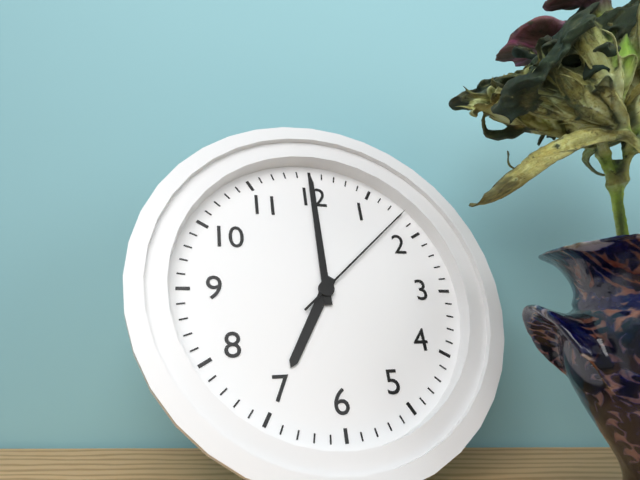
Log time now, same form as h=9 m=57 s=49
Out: h=7 m=0 s=8
